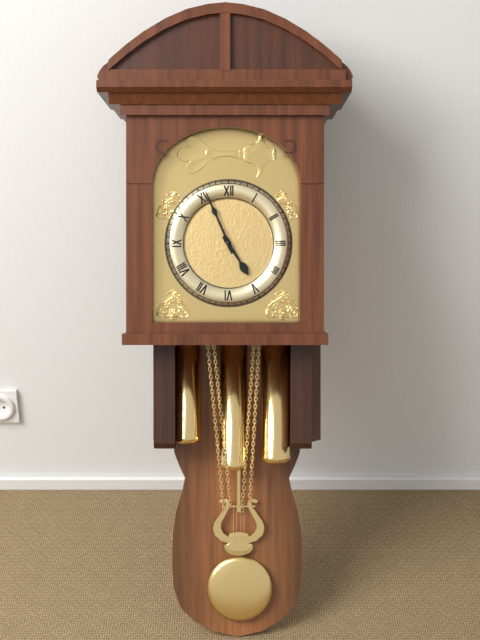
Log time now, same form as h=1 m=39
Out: h=4 m=56
